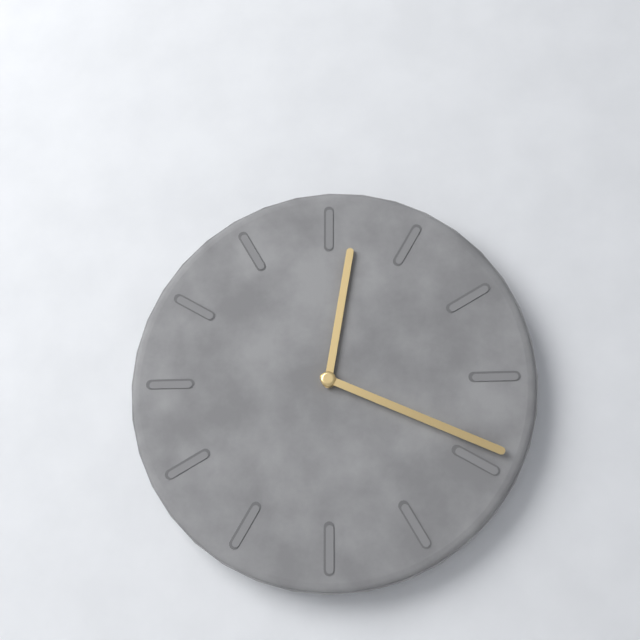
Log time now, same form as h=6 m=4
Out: h=12 m=19
